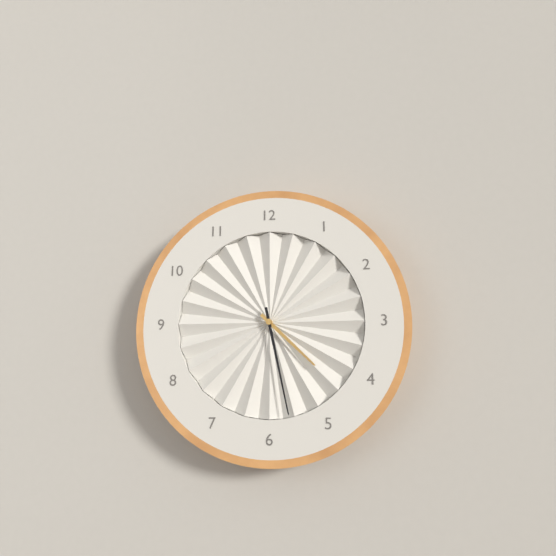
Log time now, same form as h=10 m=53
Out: h=4 m=28
